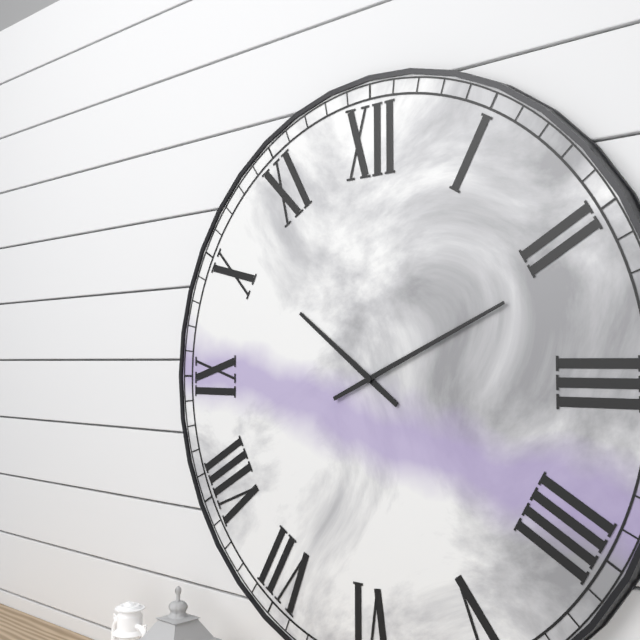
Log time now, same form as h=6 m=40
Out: h=10 m=11
